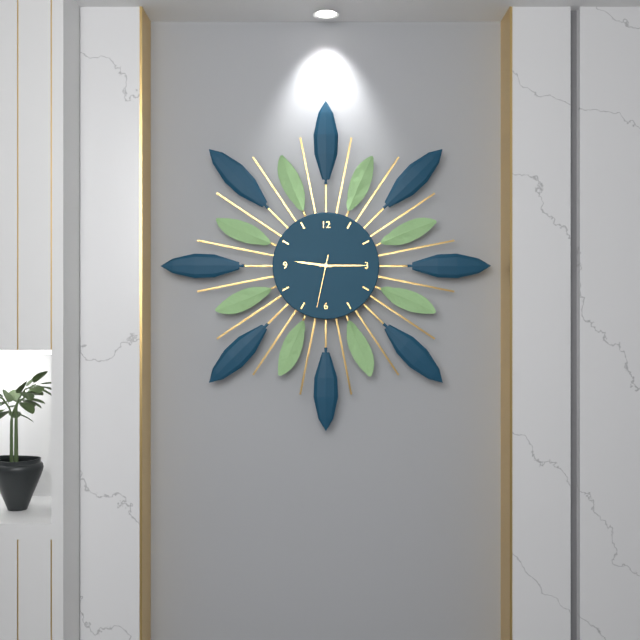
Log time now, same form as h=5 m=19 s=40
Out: h=9 m=15 s=32
